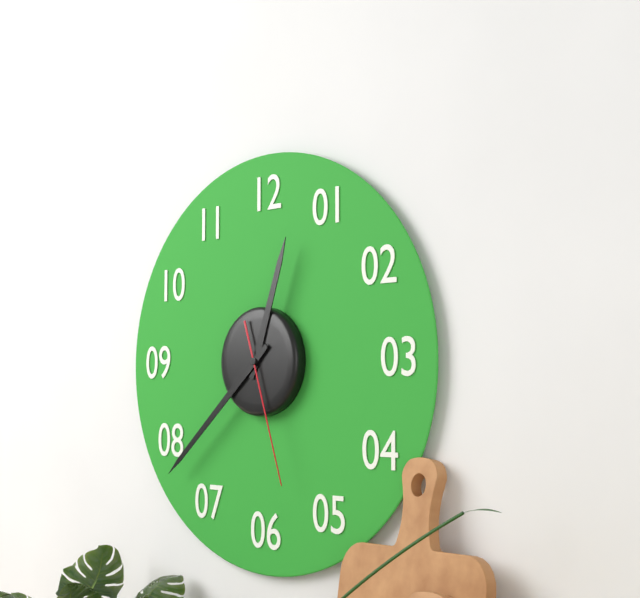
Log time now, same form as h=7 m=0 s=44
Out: h=12 m=38 s=27
